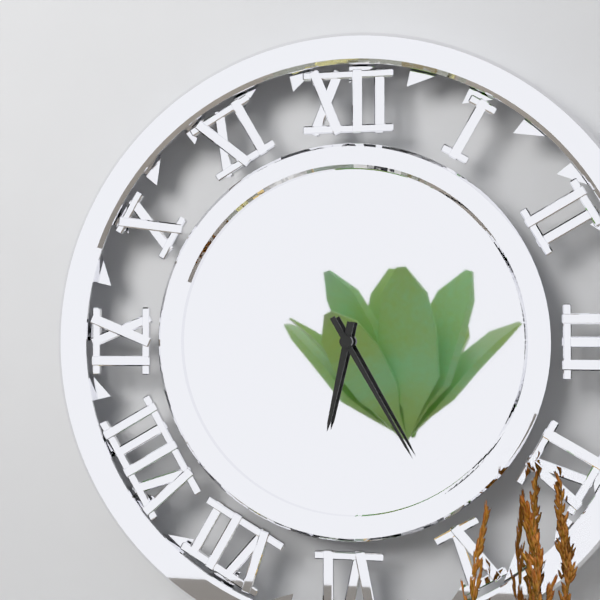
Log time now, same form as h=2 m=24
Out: h=6 m=25
